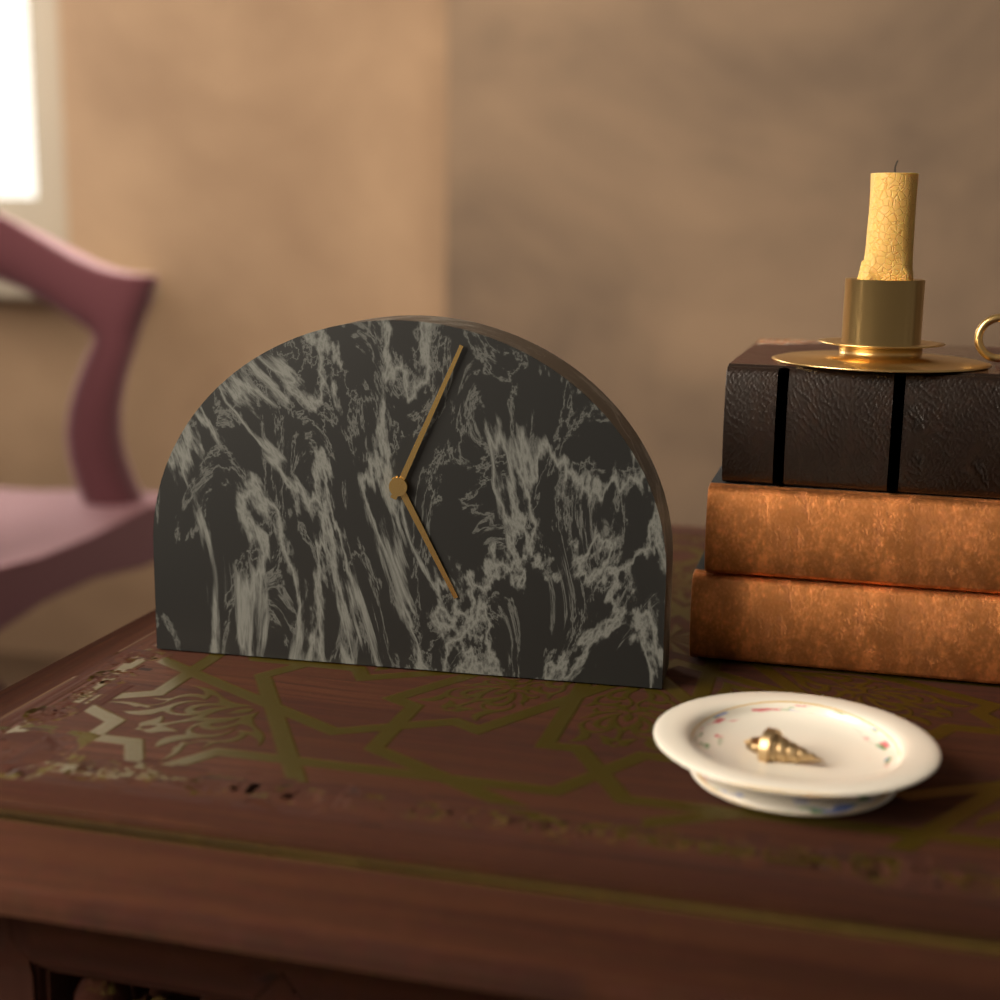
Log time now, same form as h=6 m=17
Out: h=5 m=4
